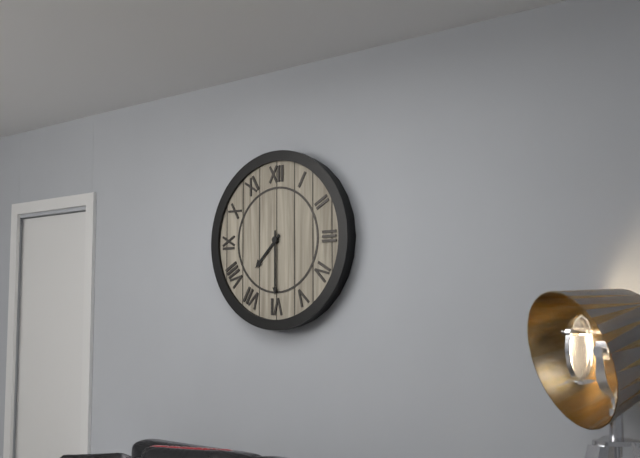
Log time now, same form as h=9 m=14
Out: h=7 m=30
